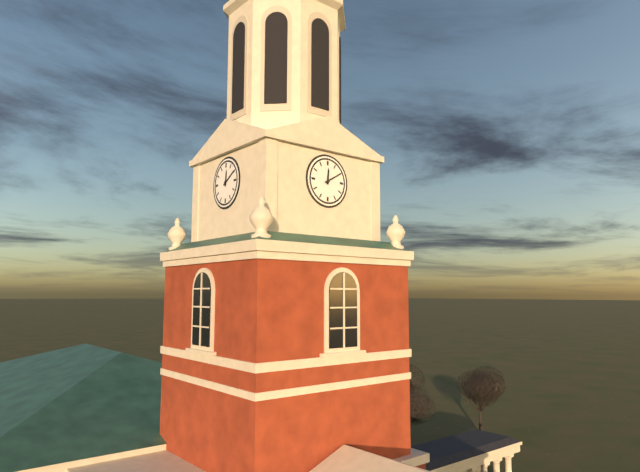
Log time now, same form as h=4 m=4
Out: h=12 m=10
